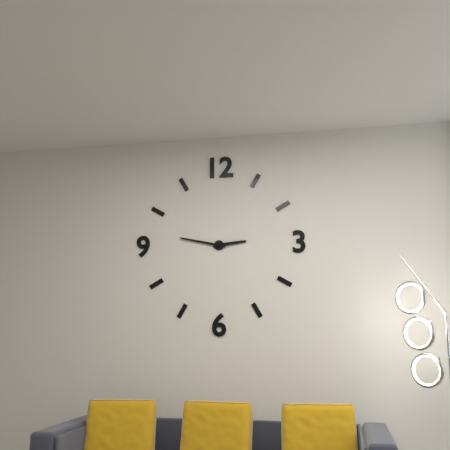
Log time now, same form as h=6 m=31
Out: h=2 m=47
